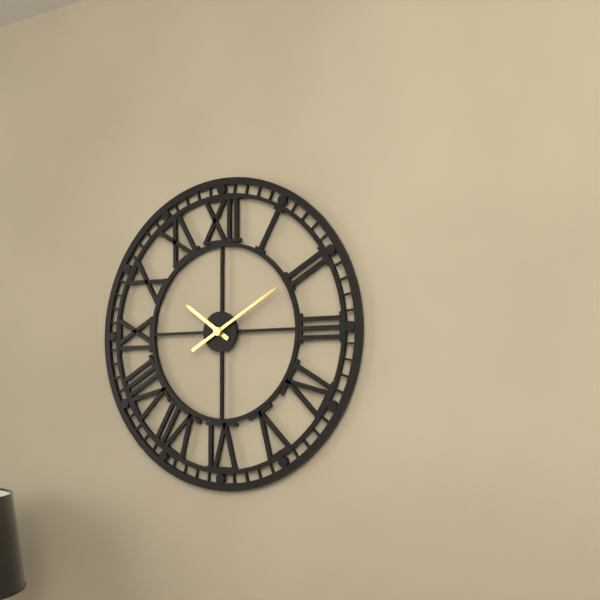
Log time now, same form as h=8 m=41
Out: h=10 m=10
